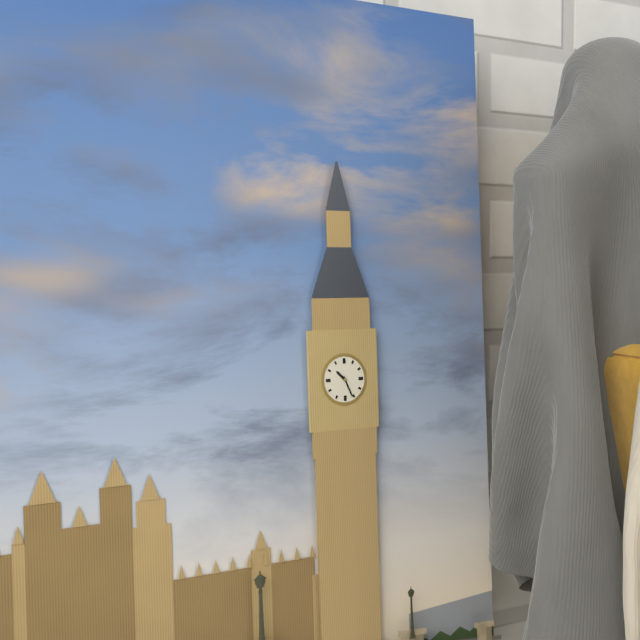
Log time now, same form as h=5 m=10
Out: h=10 m=26
